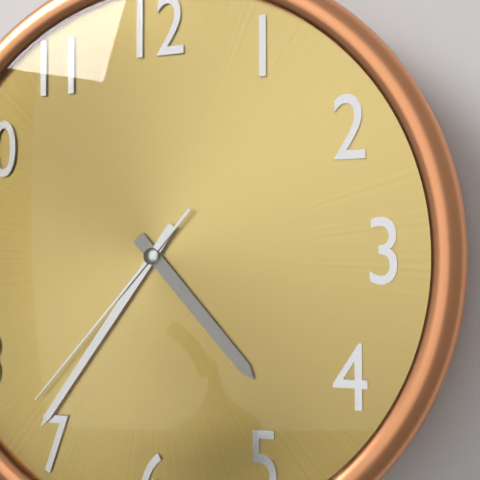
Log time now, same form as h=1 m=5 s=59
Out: h=4 m=36 s=37
